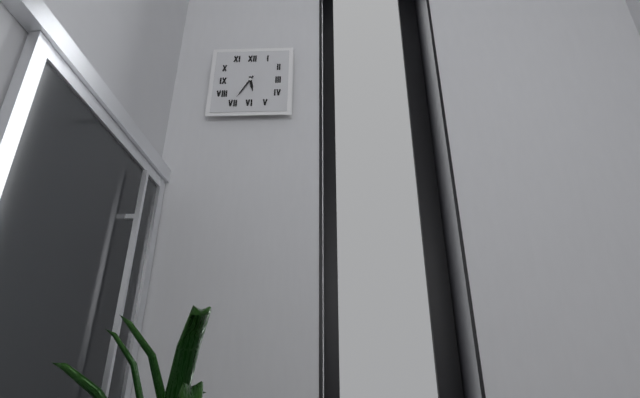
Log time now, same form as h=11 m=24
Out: h=5 m=35
